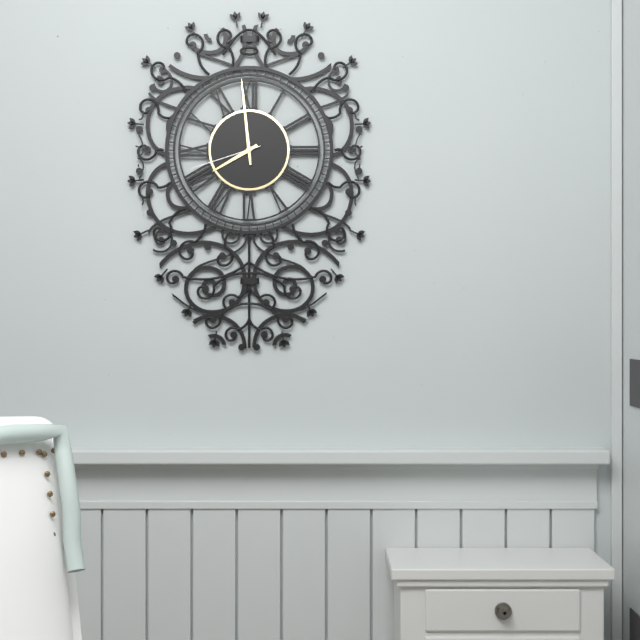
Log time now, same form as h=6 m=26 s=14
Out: h=7 m=59 s=42
